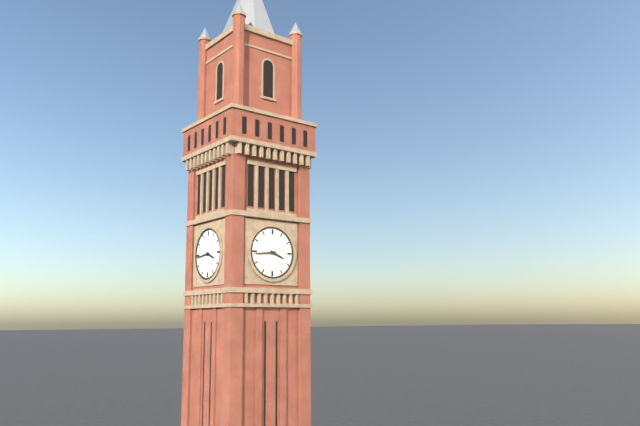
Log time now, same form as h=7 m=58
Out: h=3 m=44
